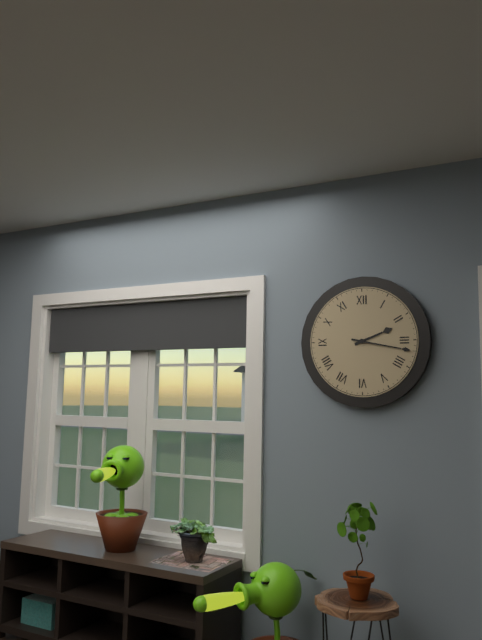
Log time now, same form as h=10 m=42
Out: h=2 m=17
